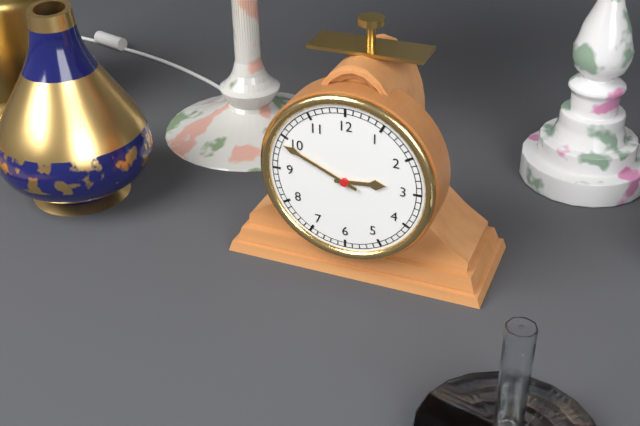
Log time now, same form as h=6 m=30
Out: h=2 m=49
